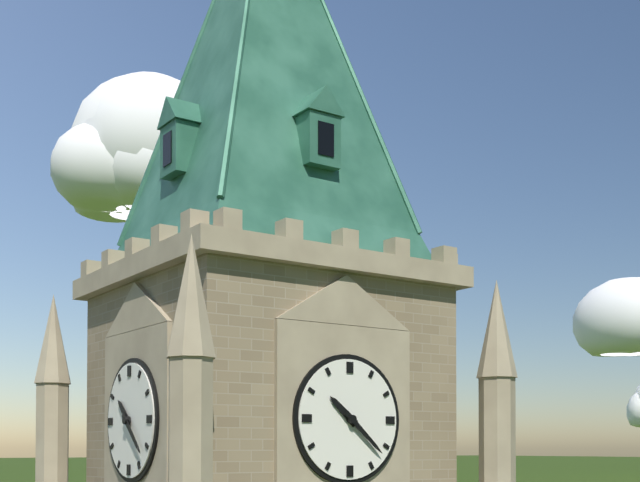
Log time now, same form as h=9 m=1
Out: h=10 m=22
